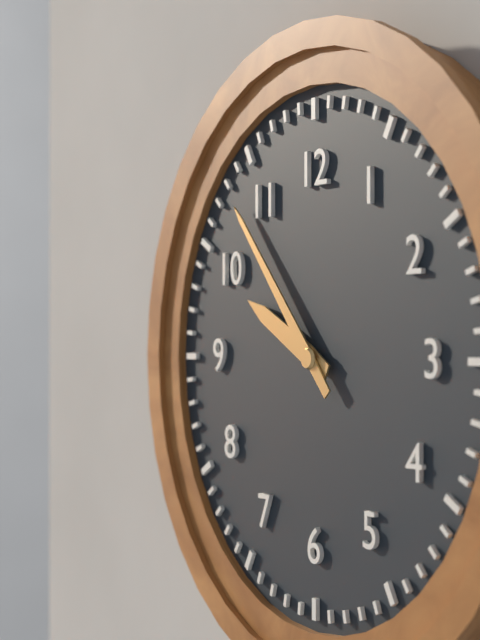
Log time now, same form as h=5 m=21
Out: h=9 m=53
